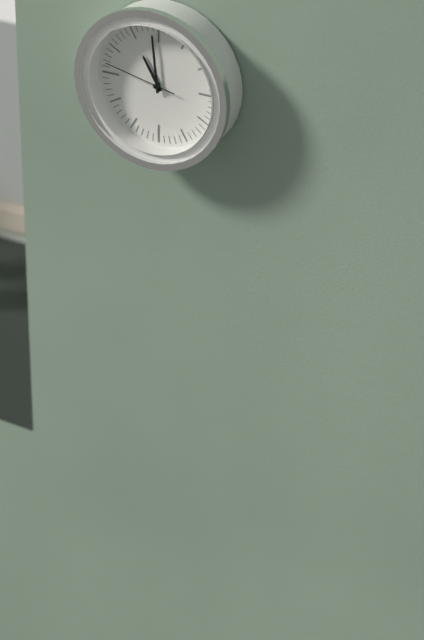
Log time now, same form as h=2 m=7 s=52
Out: h=10 m=59 s=47
